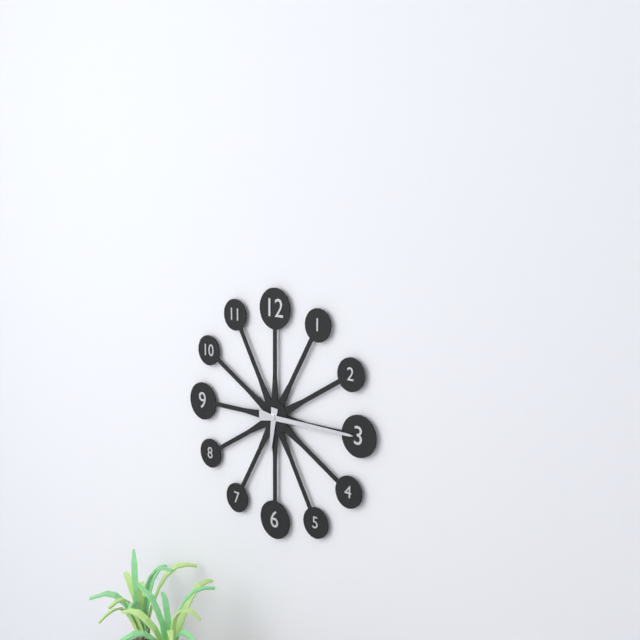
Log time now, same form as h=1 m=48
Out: h=6 m=15
